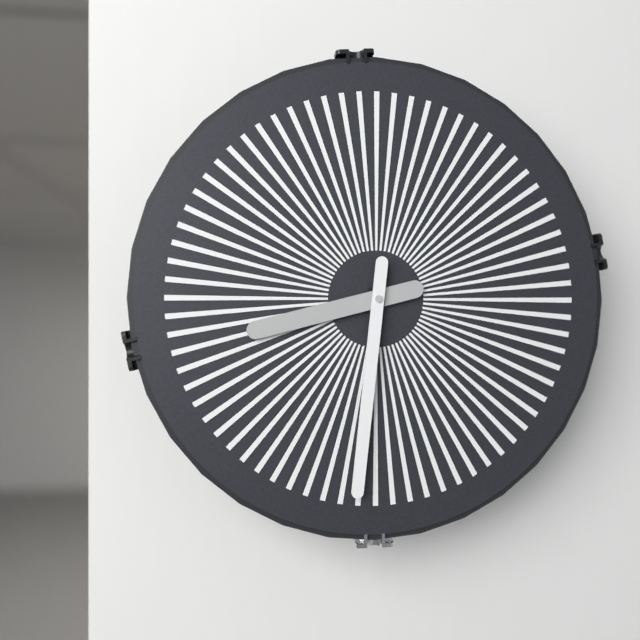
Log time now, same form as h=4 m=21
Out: h=8 m=31
